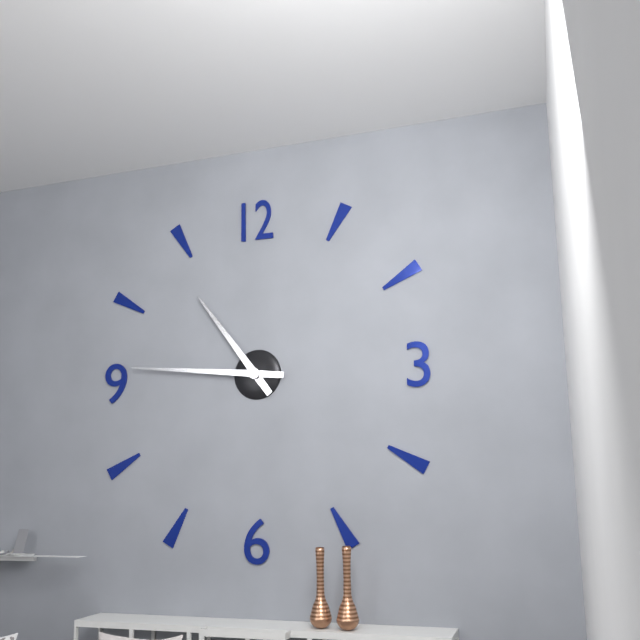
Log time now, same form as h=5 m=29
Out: h=10 m=46
